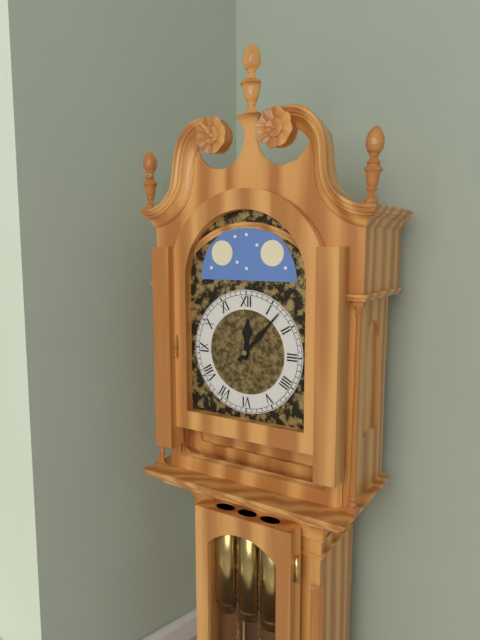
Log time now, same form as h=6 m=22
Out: h=12 m=7
